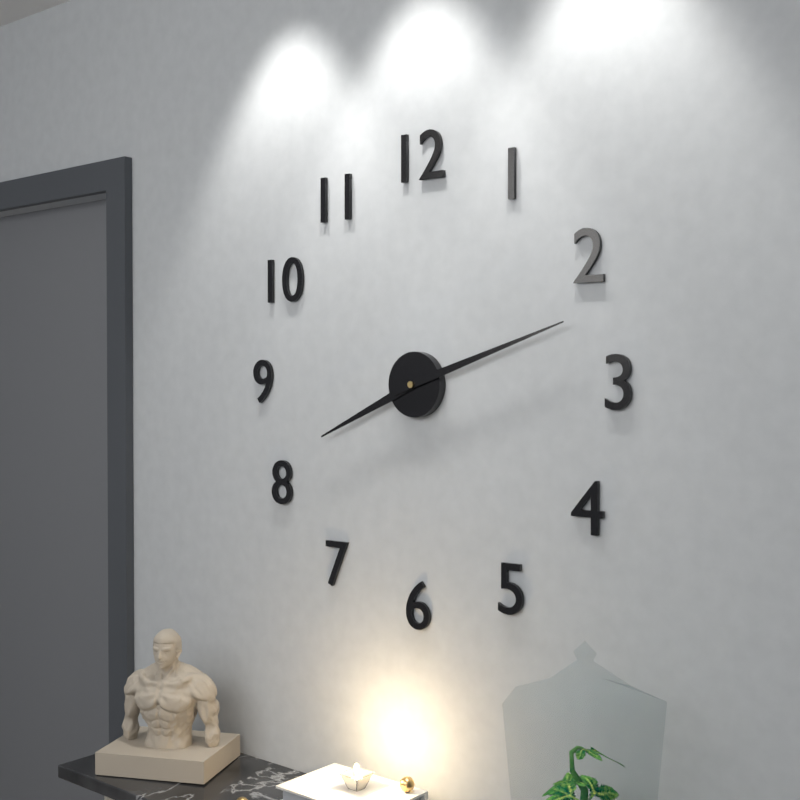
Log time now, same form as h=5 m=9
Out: h=8 m=12
